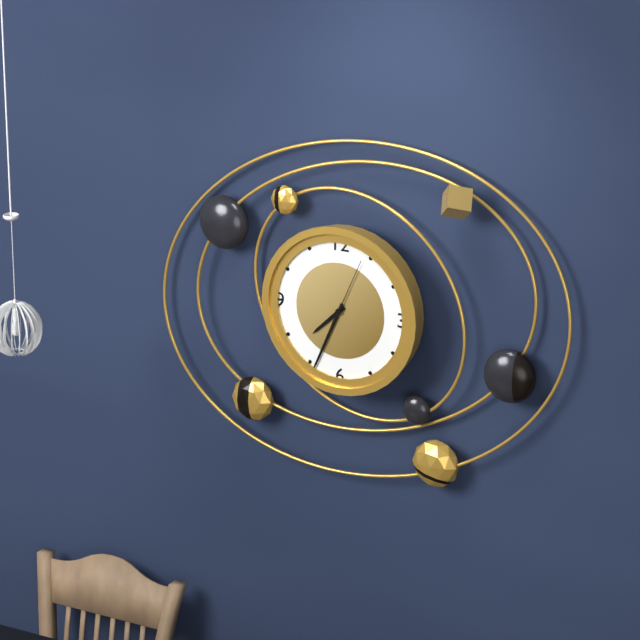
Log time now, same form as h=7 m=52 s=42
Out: h=7 m=34 s=4
